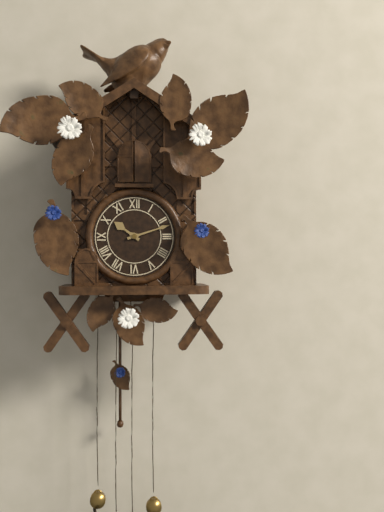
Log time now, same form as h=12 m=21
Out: h=10 m=12
